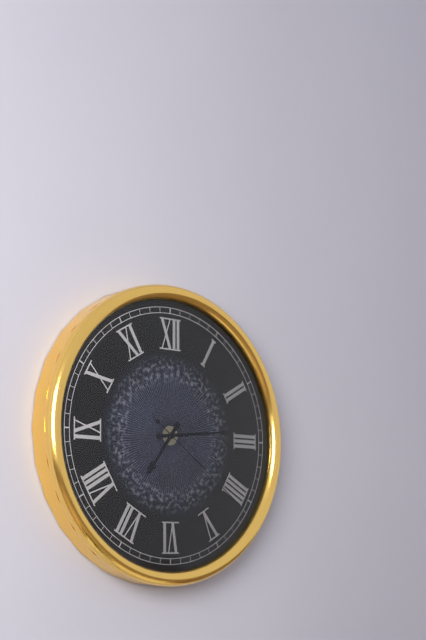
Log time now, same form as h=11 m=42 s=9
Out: h=7 m=14 s=21
